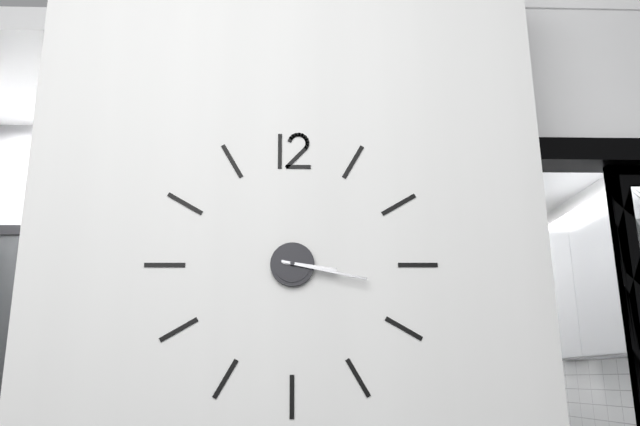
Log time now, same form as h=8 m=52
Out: h=3 m=17
